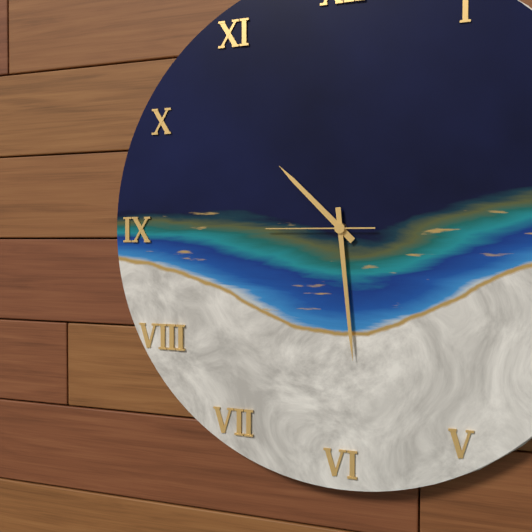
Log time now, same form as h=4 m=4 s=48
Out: h=10 m=29 s=45
